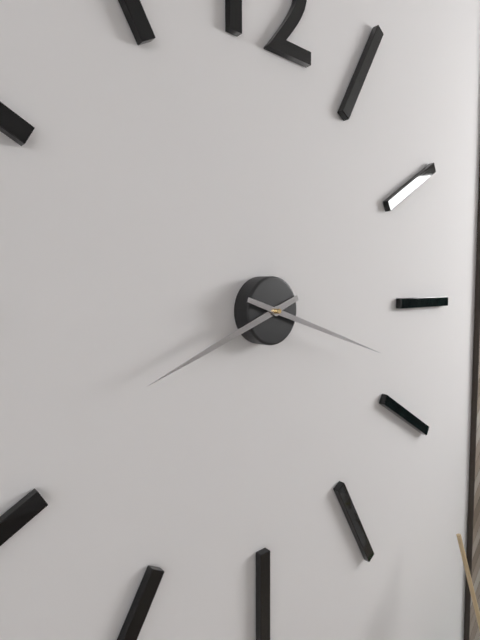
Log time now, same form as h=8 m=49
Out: h=8 m=18
